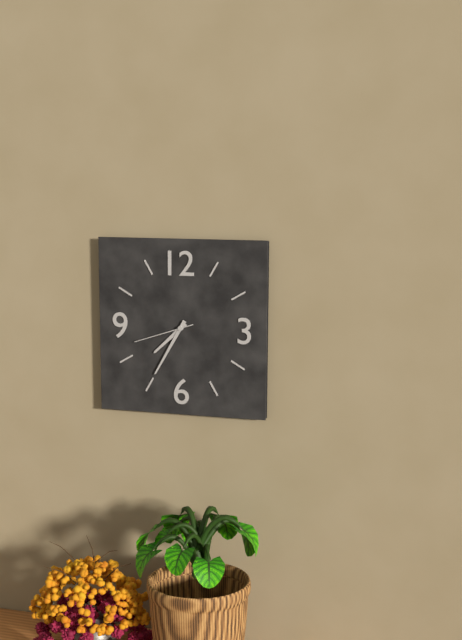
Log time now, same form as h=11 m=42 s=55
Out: h=7 m=35 s=42
